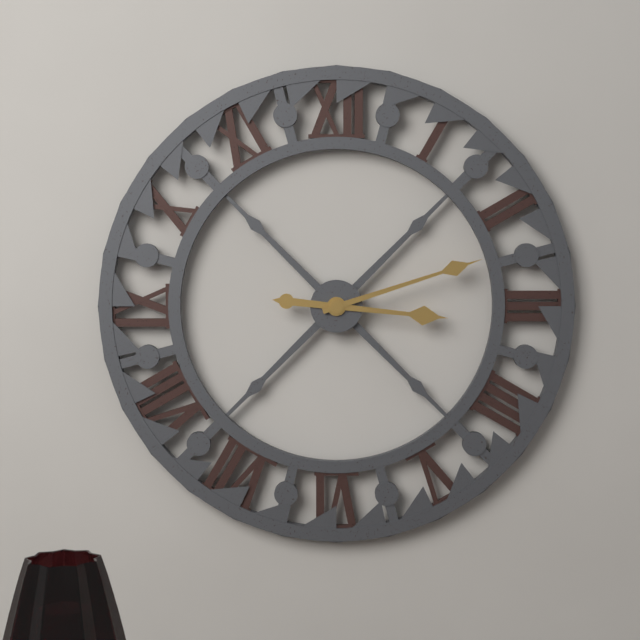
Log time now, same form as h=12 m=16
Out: h=3 m=12
